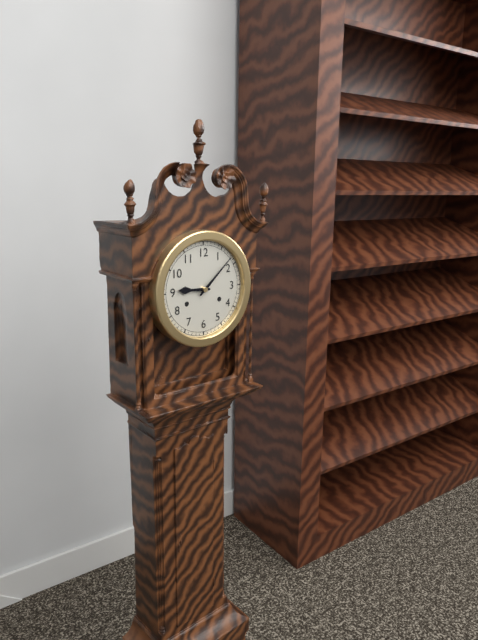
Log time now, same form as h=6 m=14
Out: h=9 m=8
